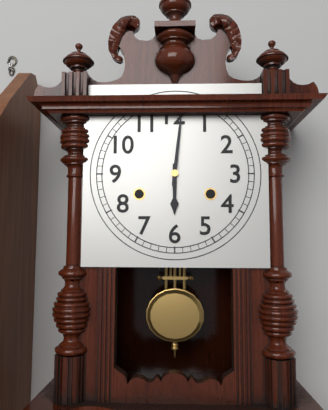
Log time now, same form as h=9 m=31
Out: h=6 m=1
